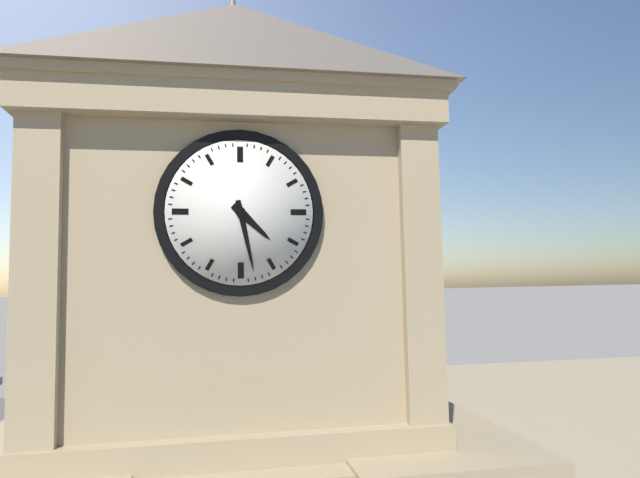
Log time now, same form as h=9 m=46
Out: h=4 m=28
